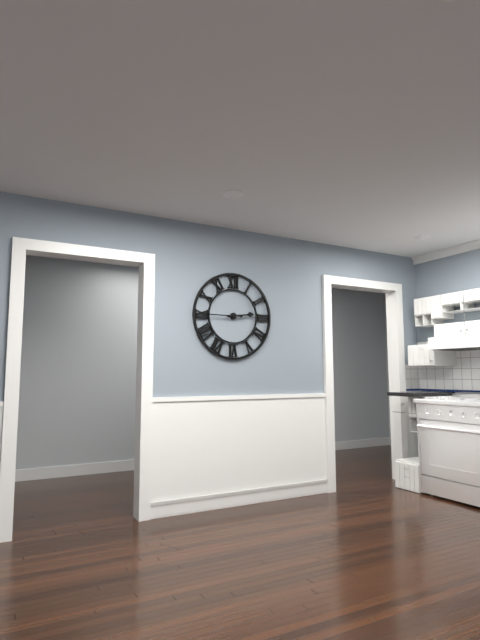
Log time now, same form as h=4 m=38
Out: h=2 m=45
